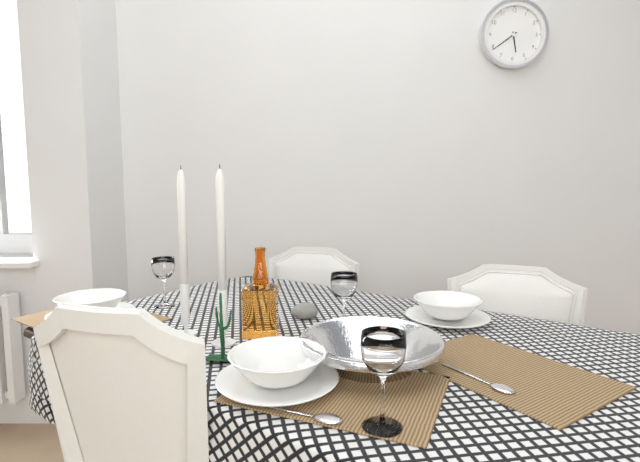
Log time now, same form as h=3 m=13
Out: h=5 m=39
